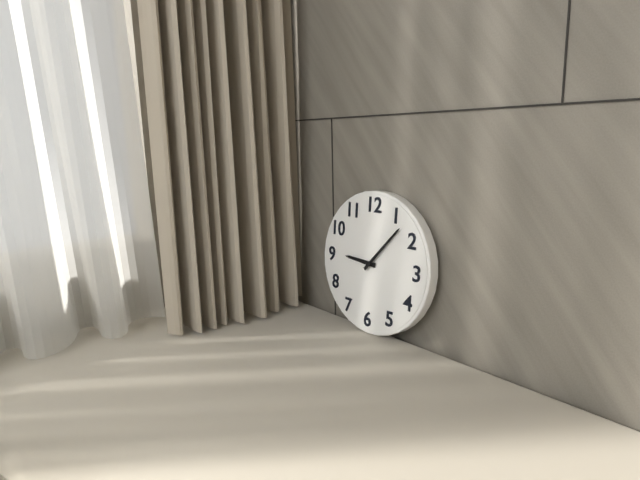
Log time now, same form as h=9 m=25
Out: h=9 m=7
